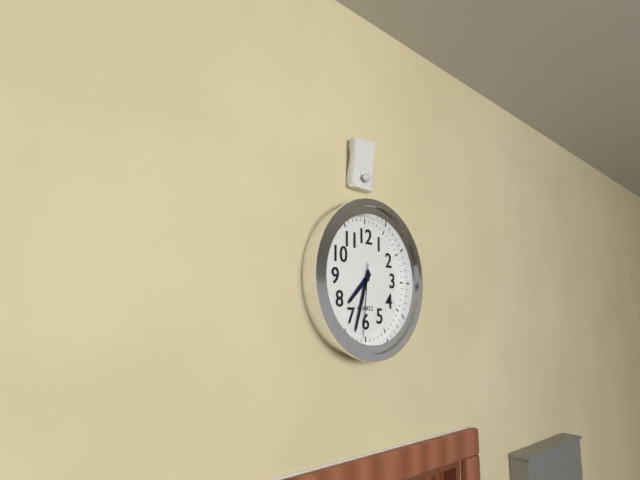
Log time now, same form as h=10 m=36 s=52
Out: h=7 m=33 s=31
